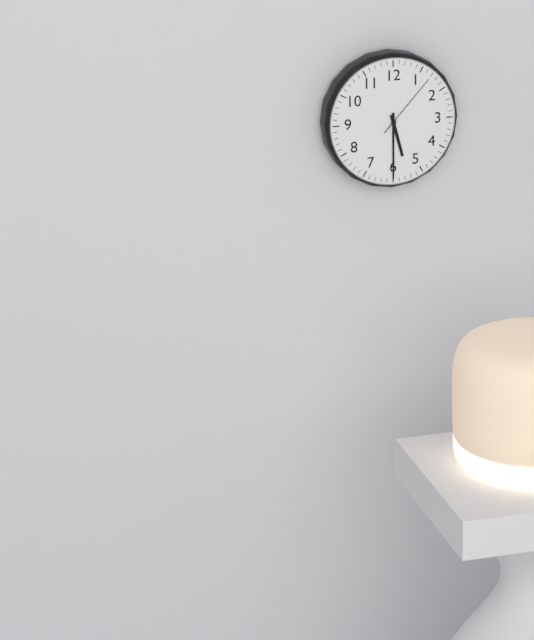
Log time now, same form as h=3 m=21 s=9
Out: h=5 m=30 s=7
